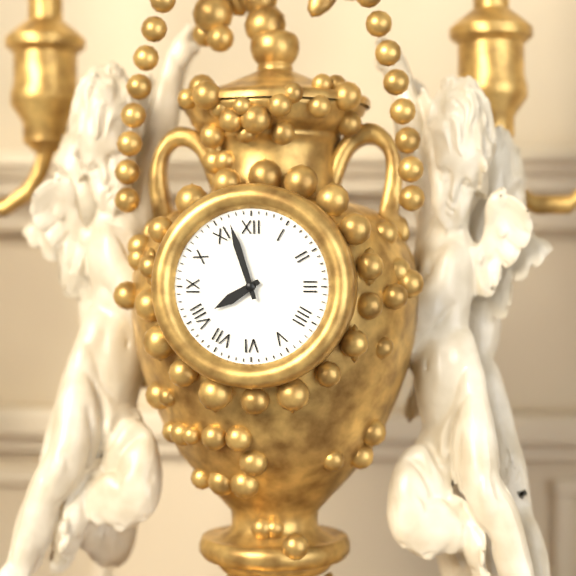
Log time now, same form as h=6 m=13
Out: h=7 m=57
